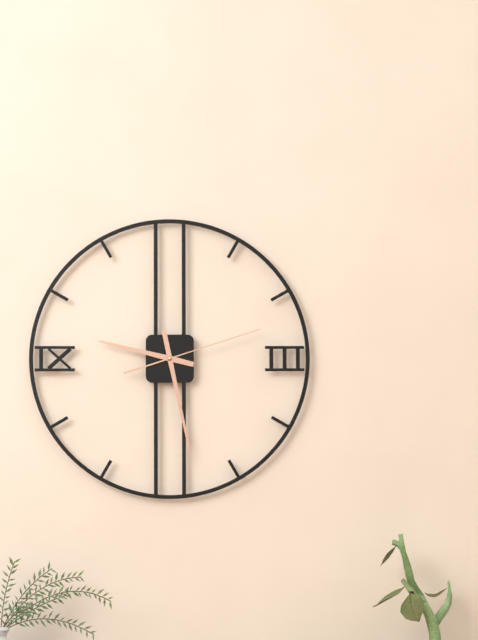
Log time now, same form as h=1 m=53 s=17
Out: h=9 m=28 s=12
